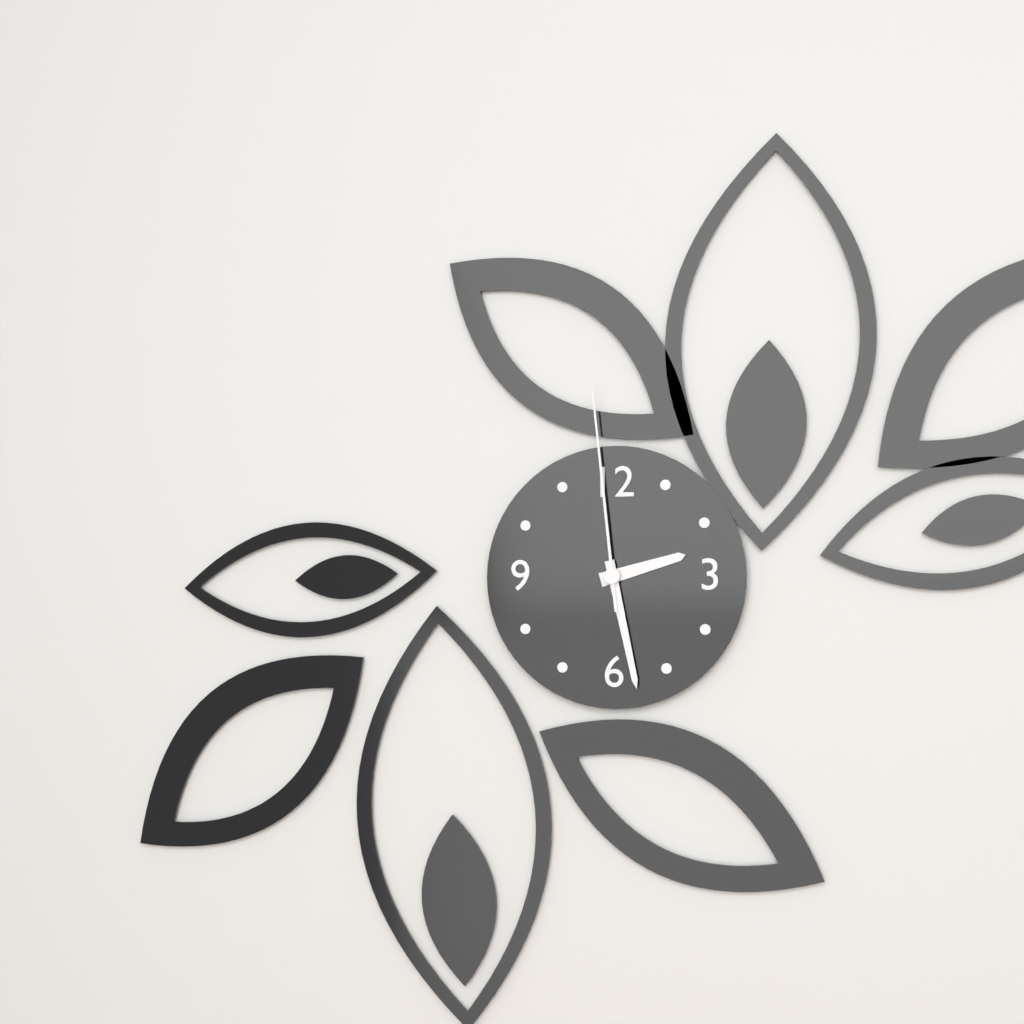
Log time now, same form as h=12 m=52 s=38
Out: h=2 m=28 s=59
